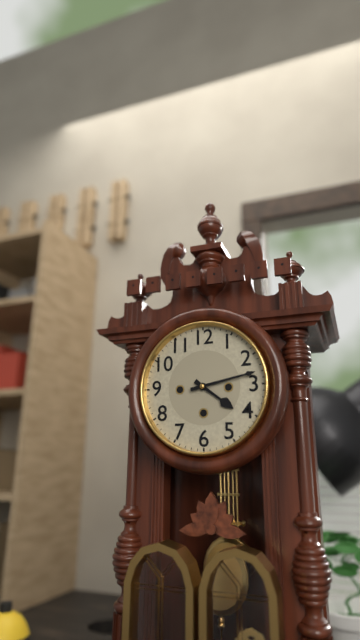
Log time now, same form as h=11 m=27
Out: h=4 m=13
